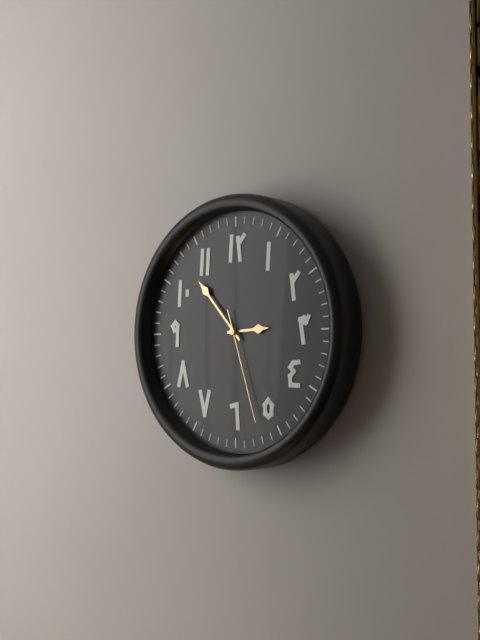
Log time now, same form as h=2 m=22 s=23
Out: h=2 m=53 s=27
